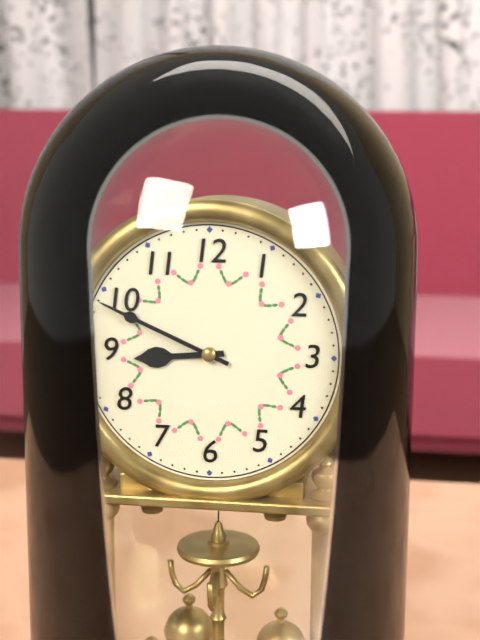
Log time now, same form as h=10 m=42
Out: h=8 m=49
